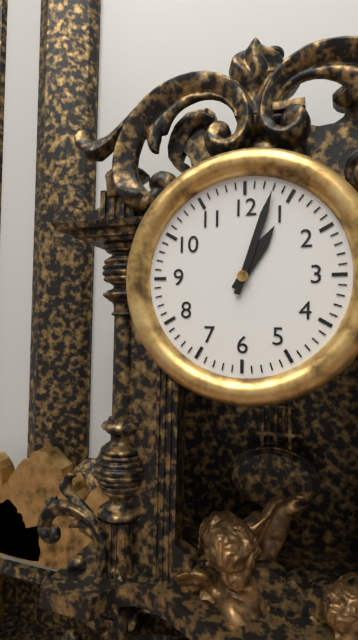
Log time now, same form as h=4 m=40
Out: h=1 m=3
